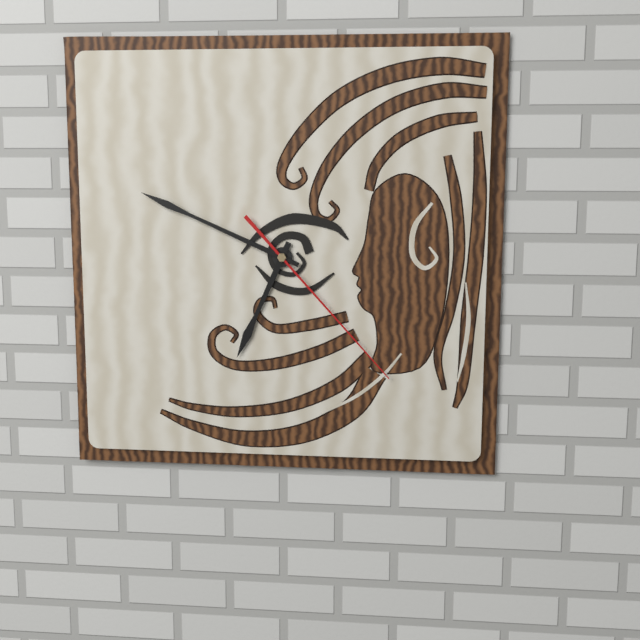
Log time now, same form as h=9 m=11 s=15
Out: h=6 m=49 s=23
